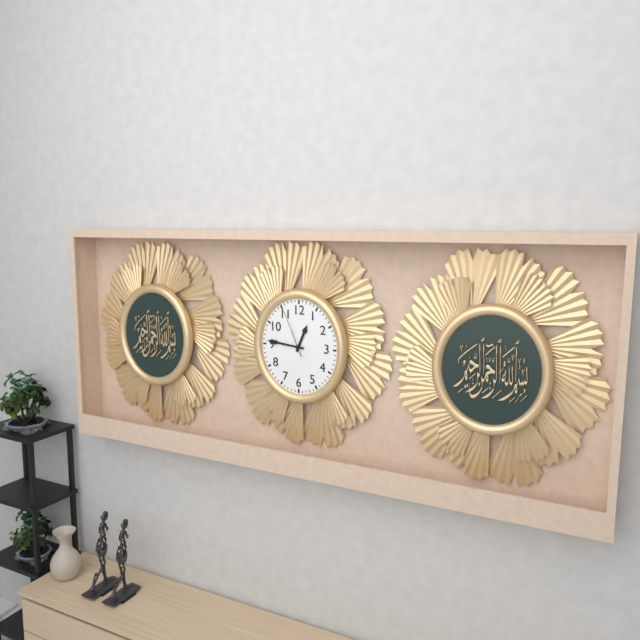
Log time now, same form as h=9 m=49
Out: h=12 m=46
